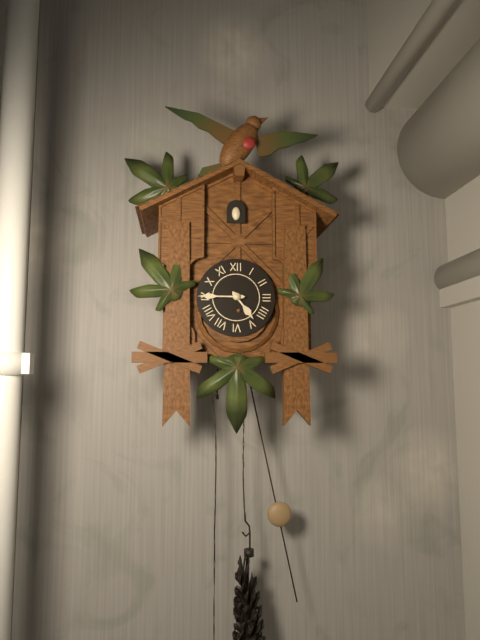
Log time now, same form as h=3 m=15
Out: h=4 m=45
